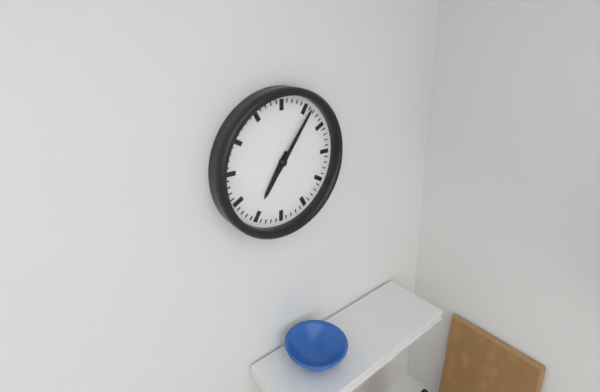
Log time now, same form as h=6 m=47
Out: h=7 m=6
